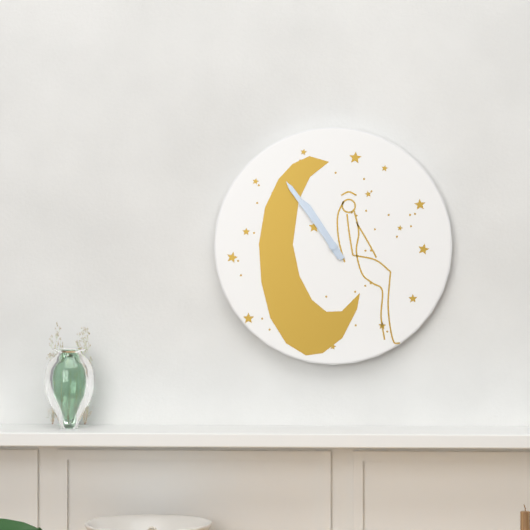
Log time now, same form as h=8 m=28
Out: h=10 m=54
